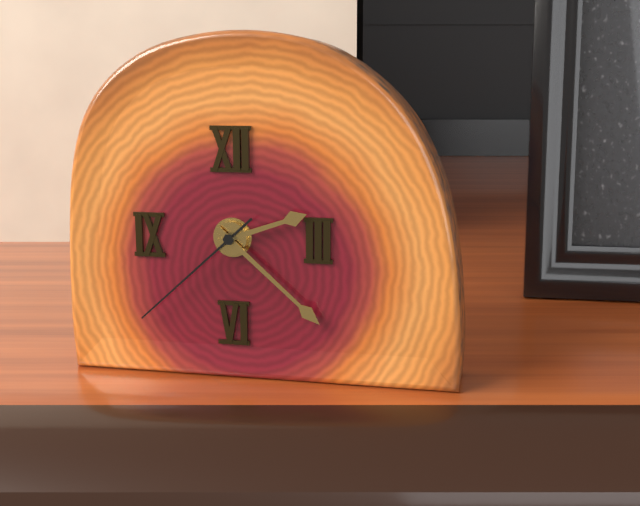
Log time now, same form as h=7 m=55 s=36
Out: h=2 m=22 s=38
